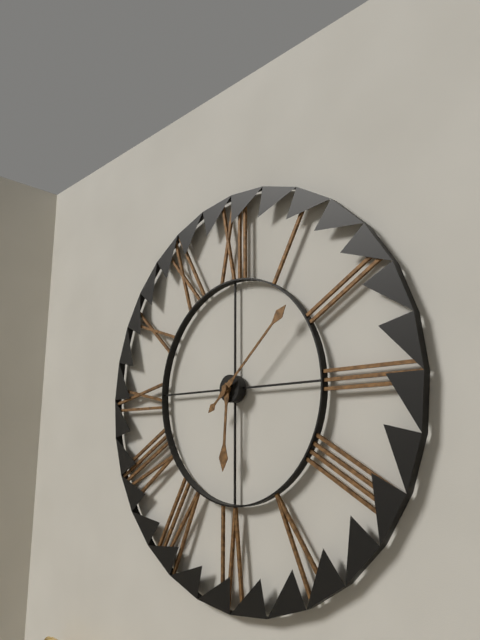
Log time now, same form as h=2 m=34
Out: h=6 m=8
